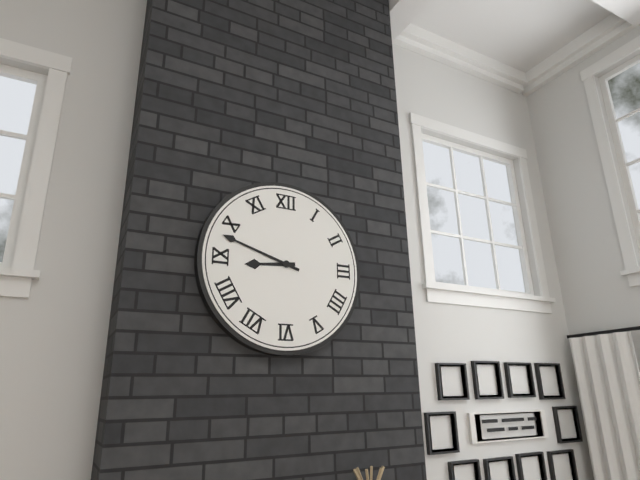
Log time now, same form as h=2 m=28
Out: h=8 m=48
